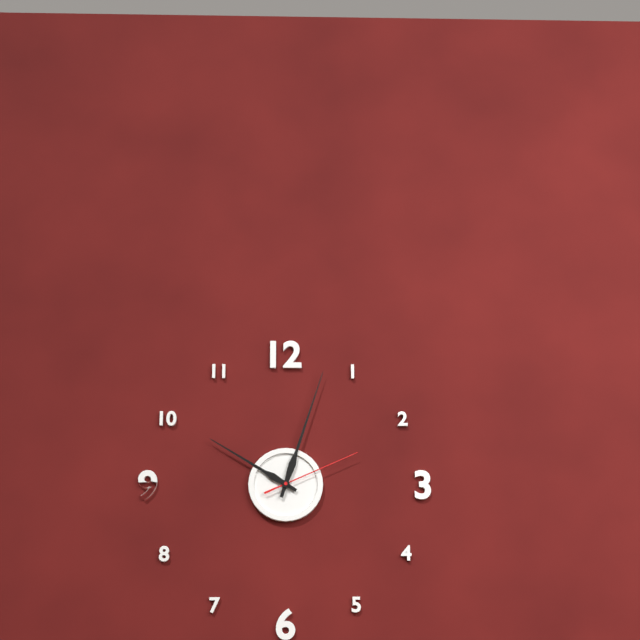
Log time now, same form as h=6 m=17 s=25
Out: h=10 m=3 s=11
